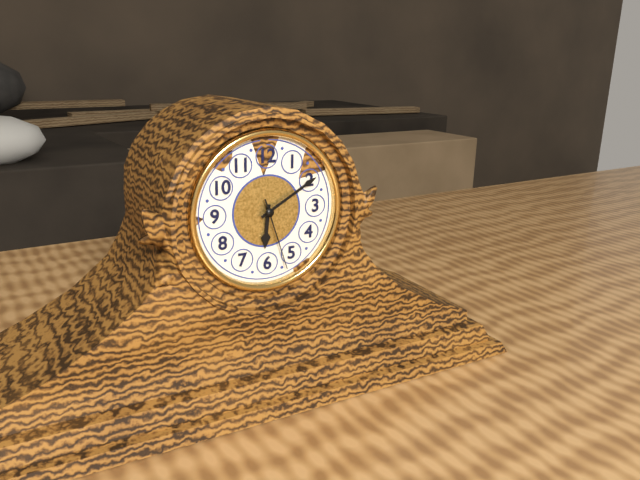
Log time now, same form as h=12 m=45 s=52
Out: h=6 m=10 s=27
